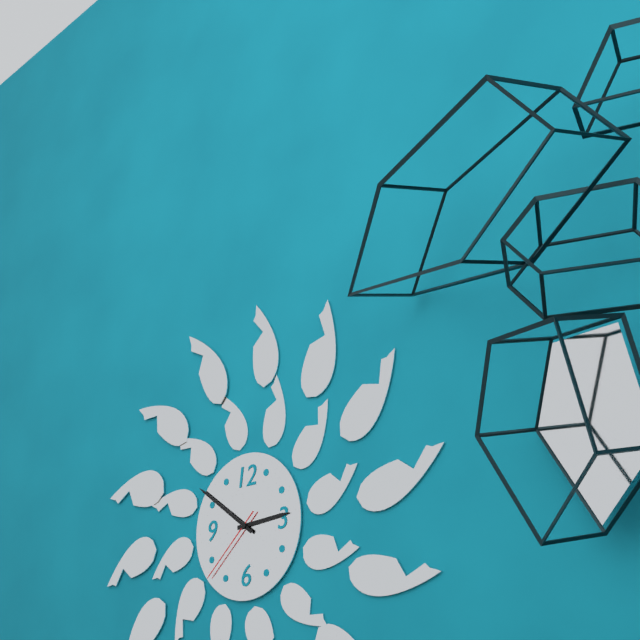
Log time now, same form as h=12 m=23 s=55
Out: h=2 m=51 s=38
